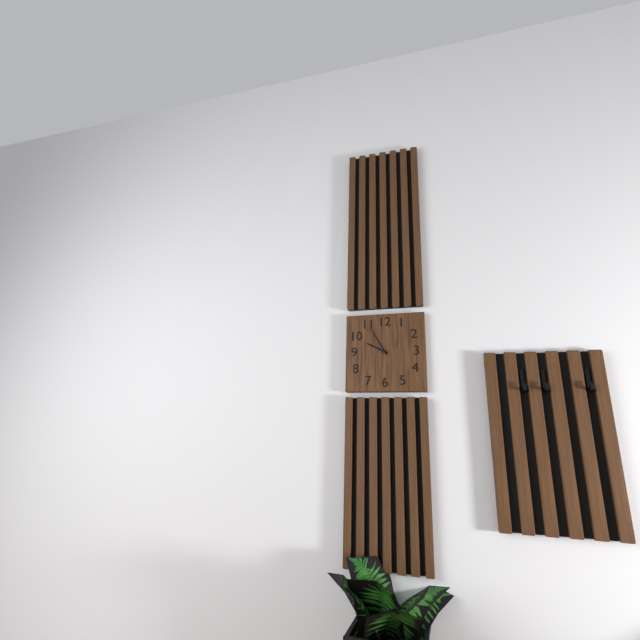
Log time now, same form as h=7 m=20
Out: h=9 m=55
